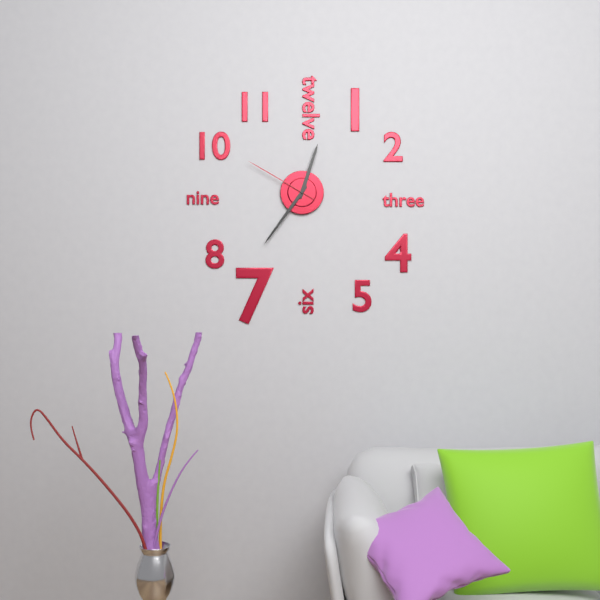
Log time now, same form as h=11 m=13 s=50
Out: h=12 m=36 s=50
